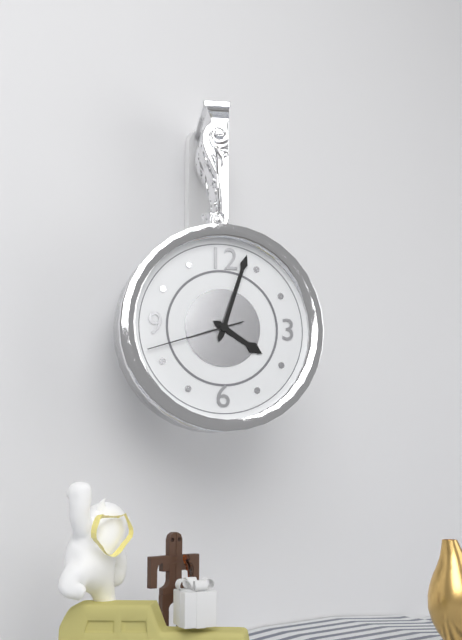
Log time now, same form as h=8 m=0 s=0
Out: h=4 m=3 s=42
